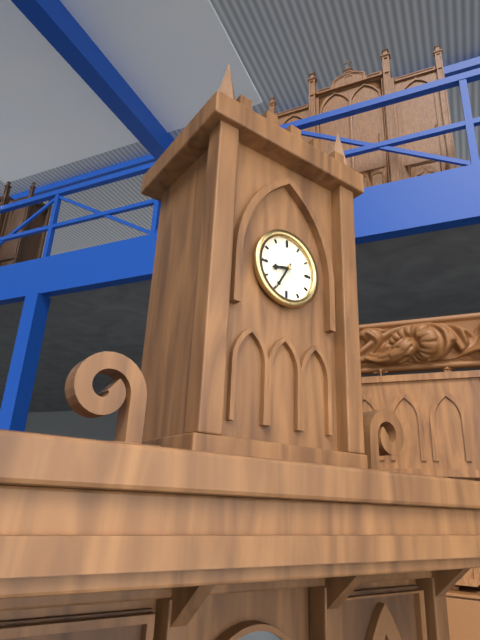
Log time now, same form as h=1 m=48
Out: h=8 m=35
